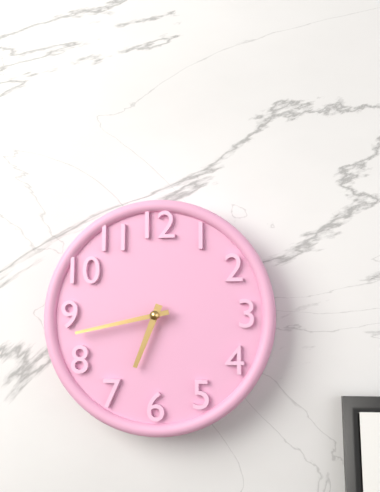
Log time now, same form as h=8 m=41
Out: h=6 m=43
